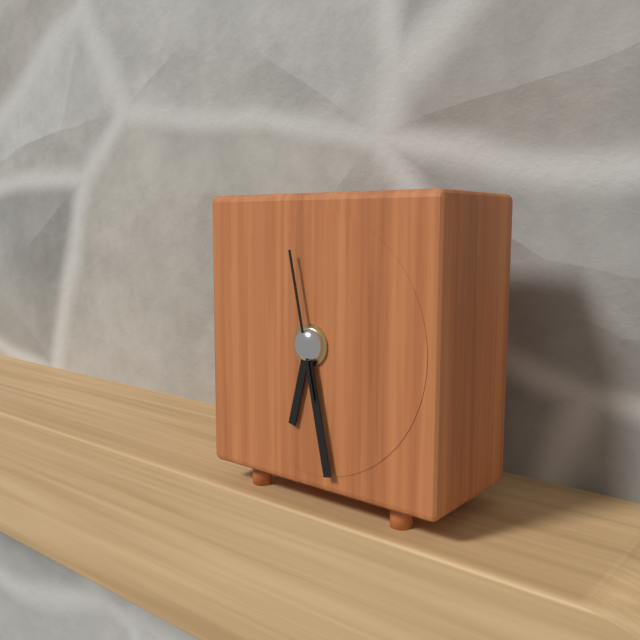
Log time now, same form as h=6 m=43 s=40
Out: h=6 m=28 s=58
